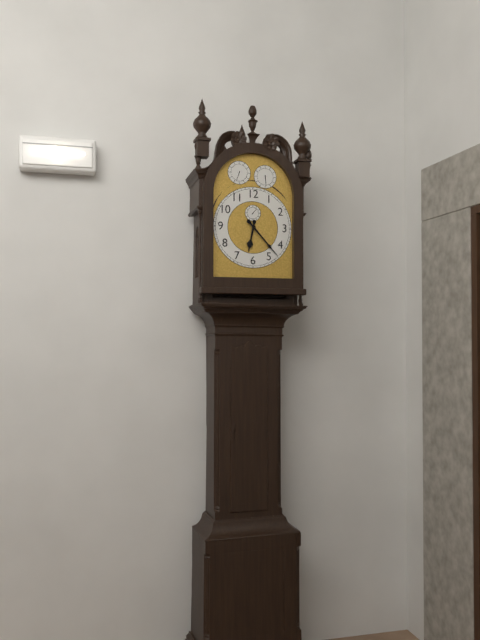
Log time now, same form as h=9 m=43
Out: h=6 m=23
